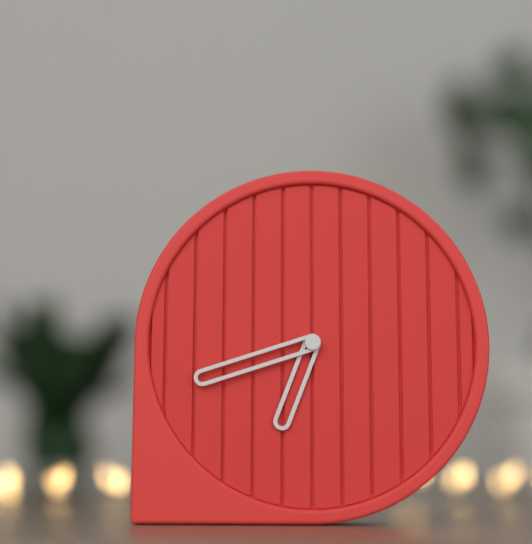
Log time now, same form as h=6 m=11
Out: h=6 m=42
